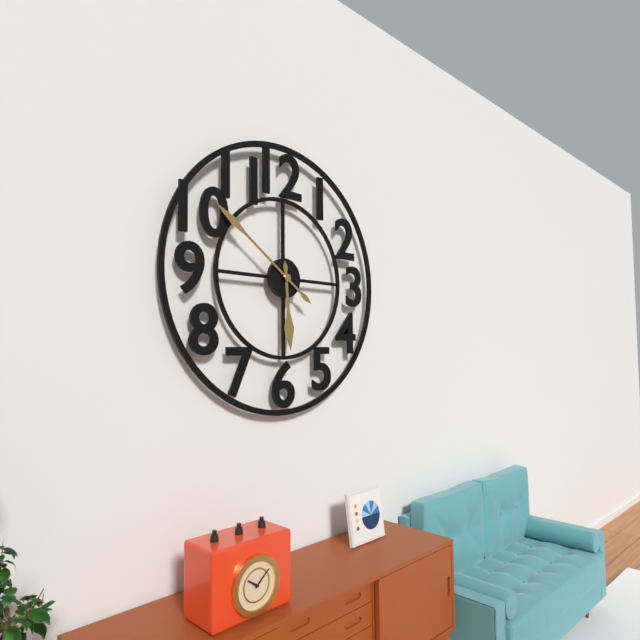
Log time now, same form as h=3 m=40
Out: h=5 m=51
